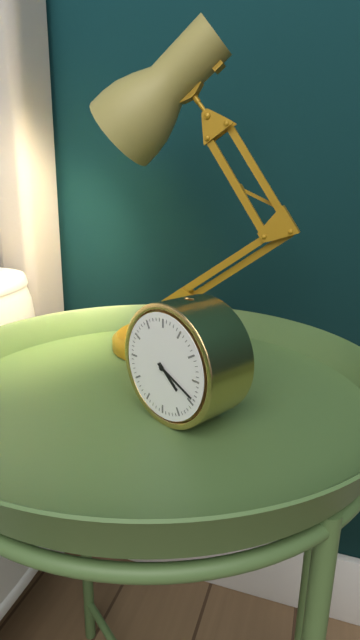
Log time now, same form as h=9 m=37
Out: h=4 m=19
